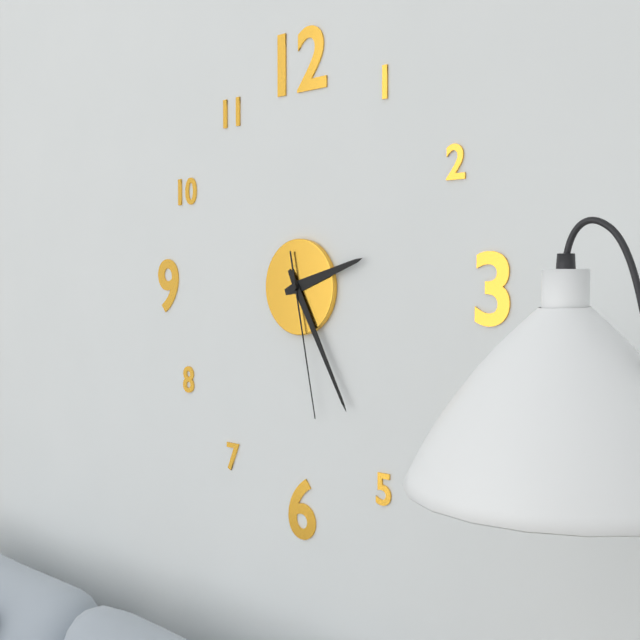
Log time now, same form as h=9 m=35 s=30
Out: h=2 m=25 s=28
